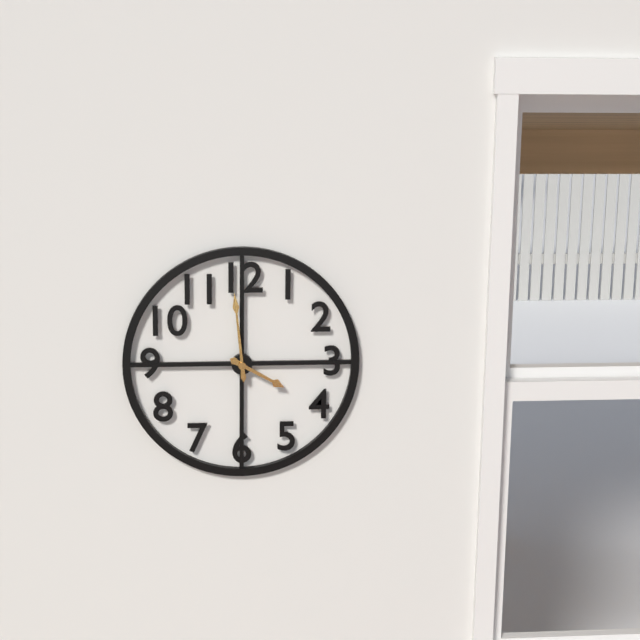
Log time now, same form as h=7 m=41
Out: h=3 m=59
